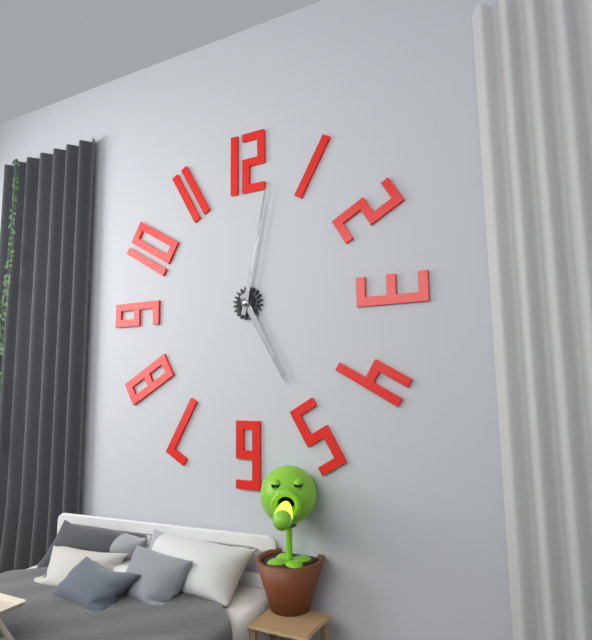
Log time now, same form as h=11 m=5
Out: h=5 m=2
